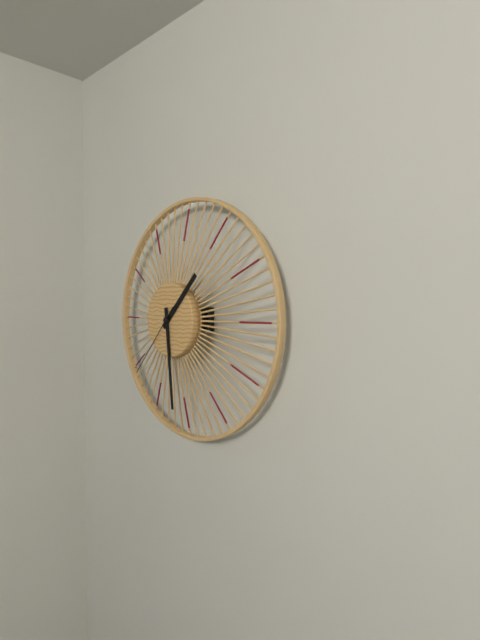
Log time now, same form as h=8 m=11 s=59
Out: h=1 m=29 s=37
